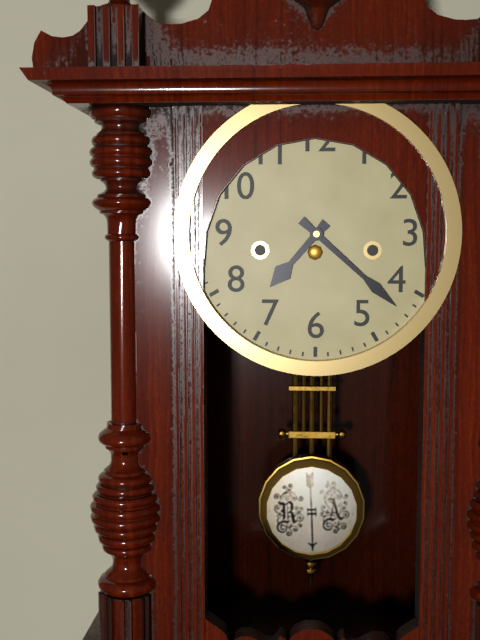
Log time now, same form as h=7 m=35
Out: h=7 m=22
